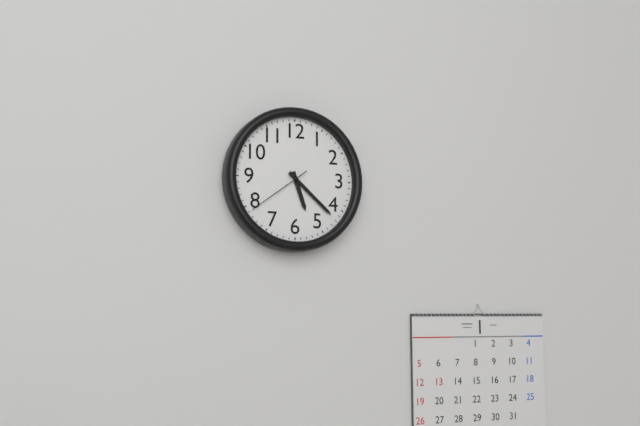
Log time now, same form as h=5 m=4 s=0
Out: h=5 m=22 s=39
